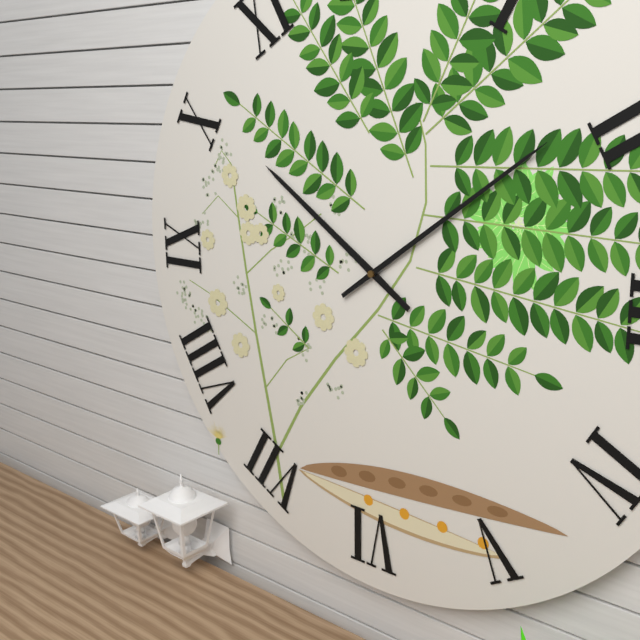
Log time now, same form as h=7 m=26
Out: h=10 m=9
